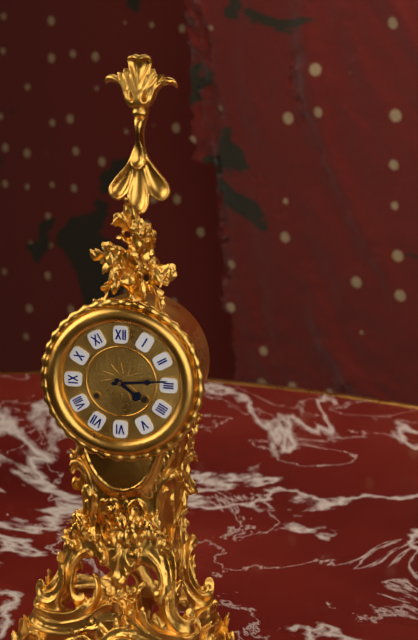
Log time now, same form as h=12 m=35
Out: h=4 m=14
